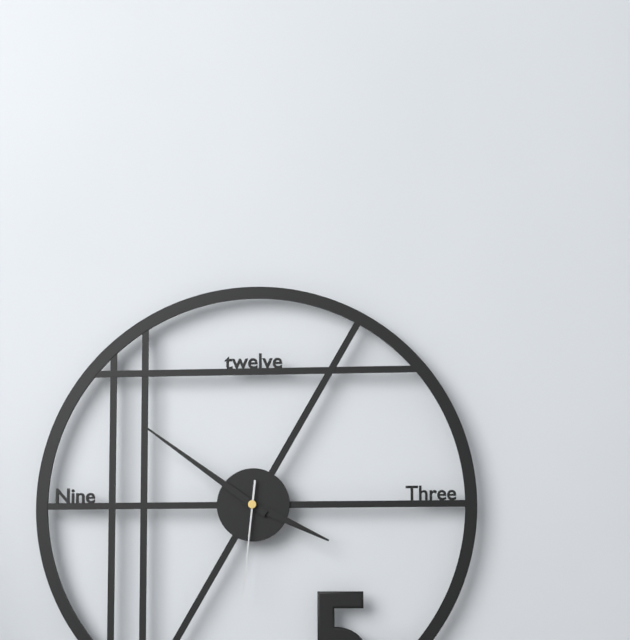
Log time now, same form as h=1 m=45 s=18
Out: h=3 m=51 s=31
